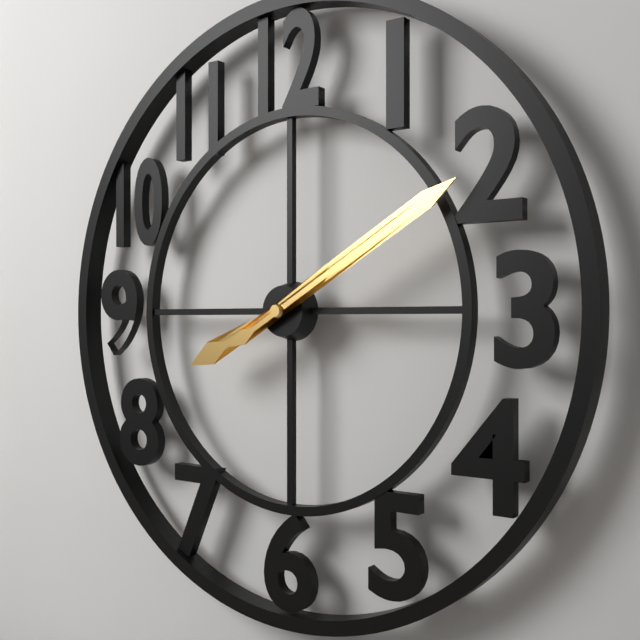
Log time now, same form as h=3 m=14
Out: h=8 m=10
